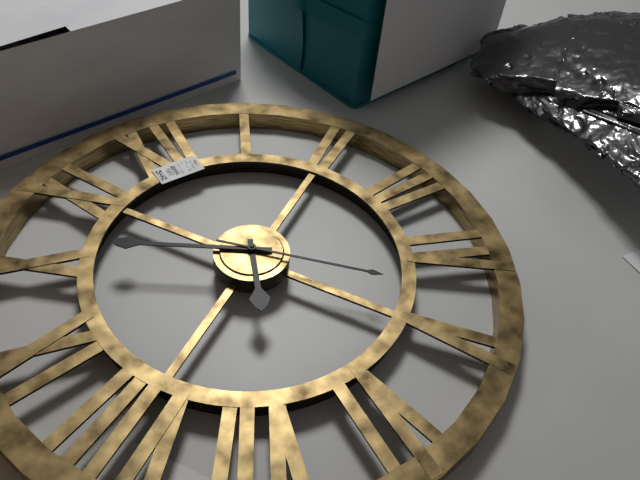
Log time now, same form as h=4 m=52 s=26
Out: h=6 m=51 s=23
